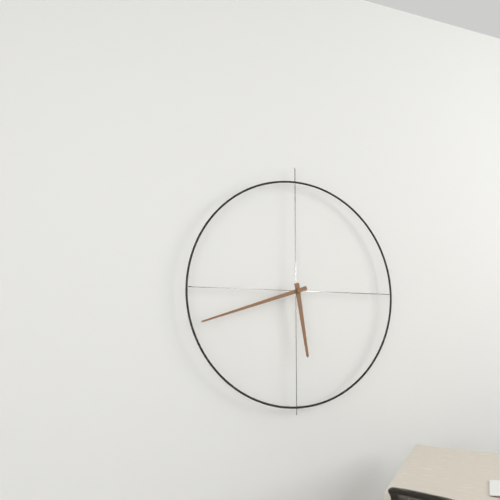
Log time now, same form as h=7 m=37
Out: h=5 m=42
